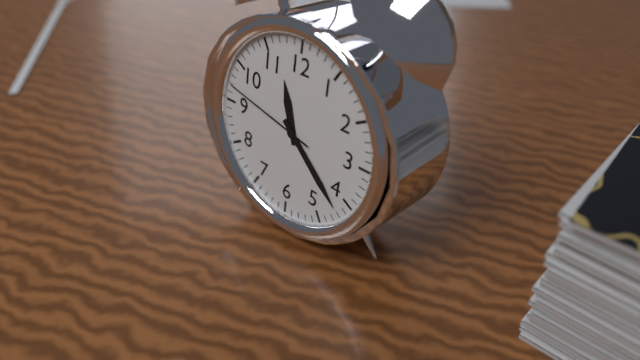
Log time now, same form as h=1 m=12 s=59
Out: h=11 m=22 s=47
